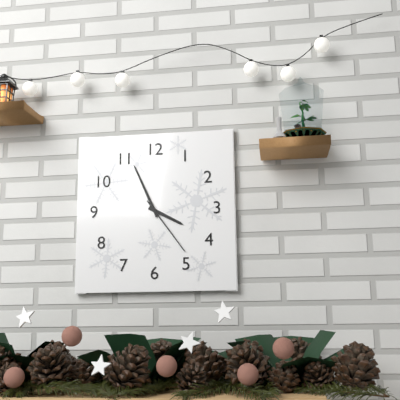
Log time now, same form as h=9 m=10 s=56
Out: h=3 m=56 s=24
